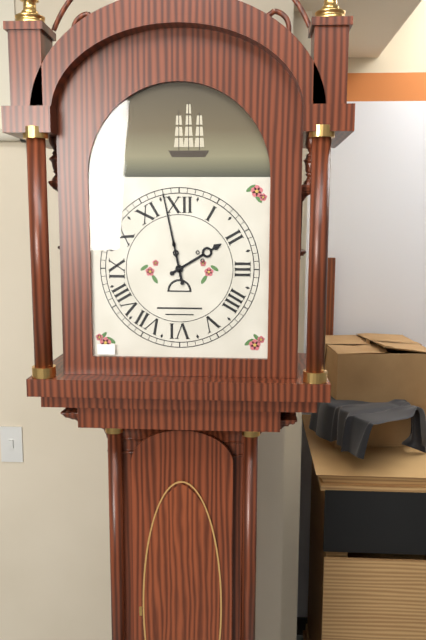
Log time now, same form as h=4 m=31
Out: h=1 m=58
